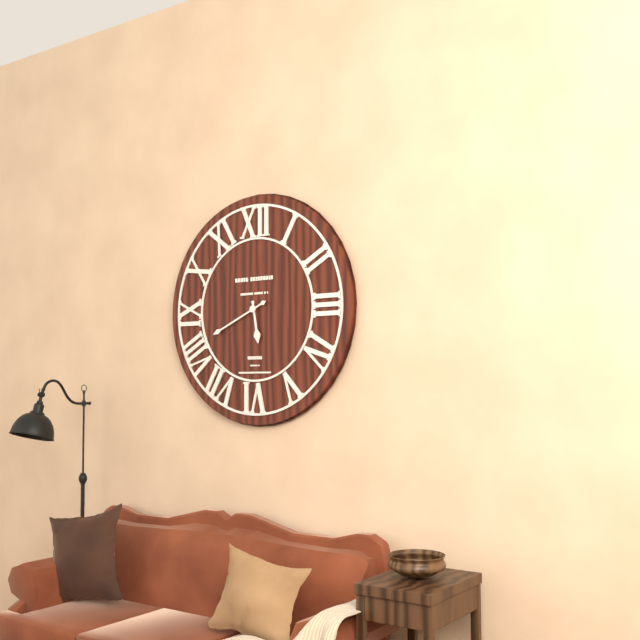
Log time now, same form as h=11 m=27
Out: h=5 m=41
